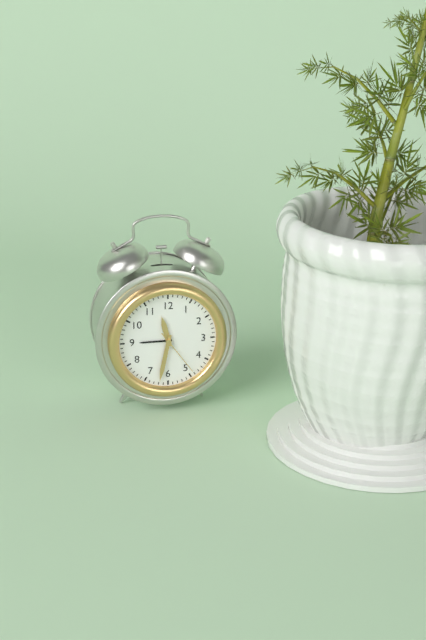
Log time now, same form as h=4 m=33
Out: h=11 m=32
